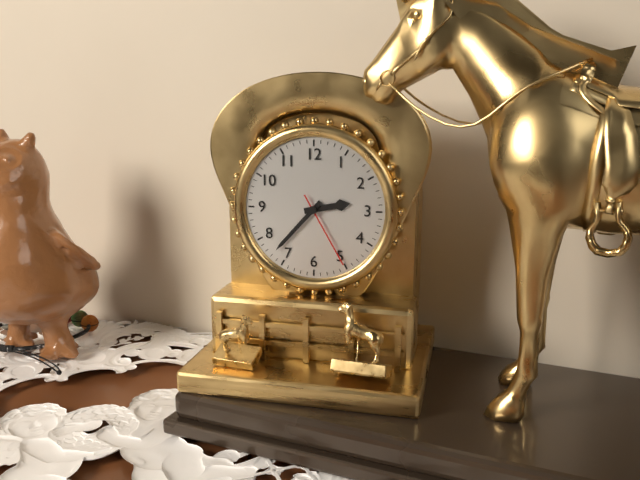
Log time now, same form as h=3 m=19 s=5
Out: h=2 m=37 s=25
